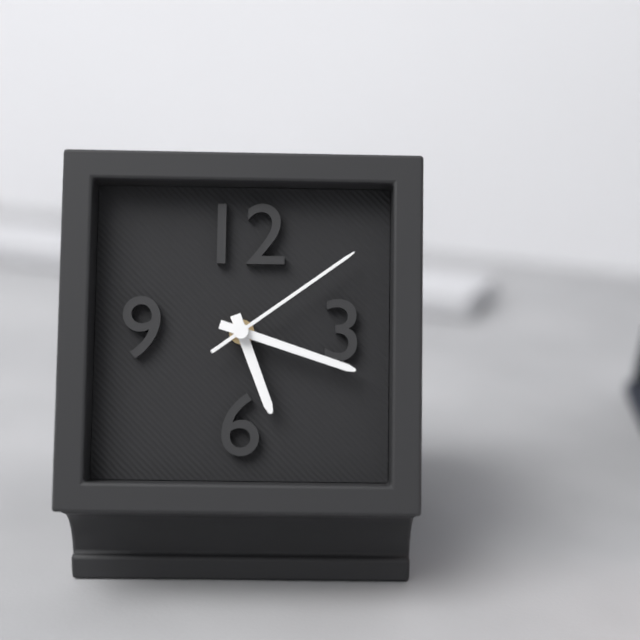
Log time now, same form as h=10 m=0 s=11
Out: h=5 m=18 s=9
